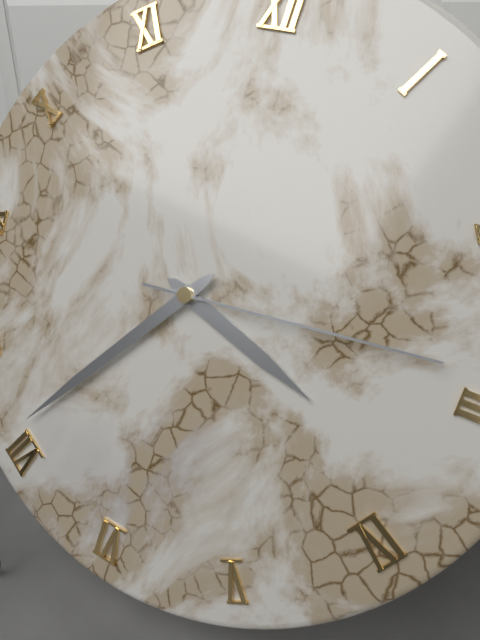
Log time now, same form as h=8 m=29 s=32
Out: h=3 m=36 s=14
